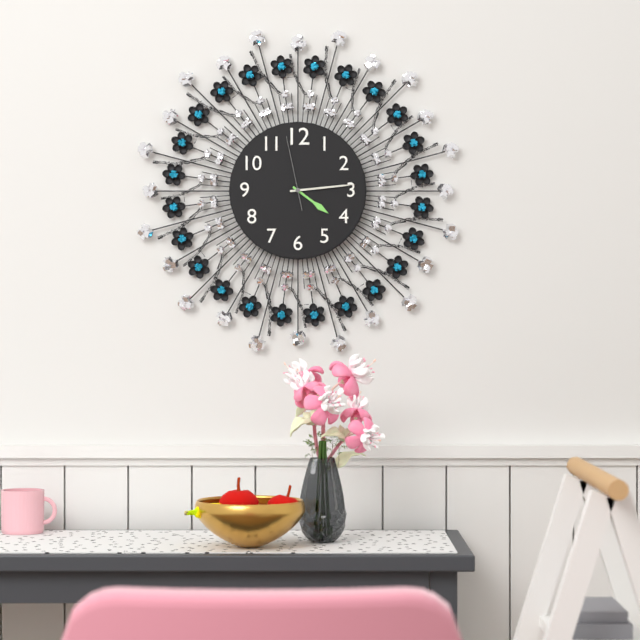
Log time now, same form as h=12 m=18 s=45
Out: h=4 m=14 s=58
